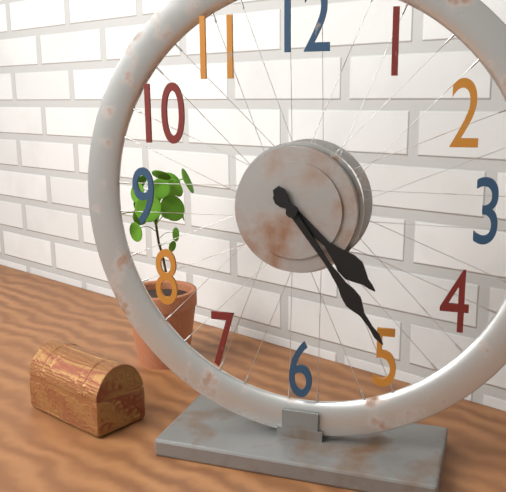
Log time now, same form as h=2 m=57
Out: h=4 m=24
